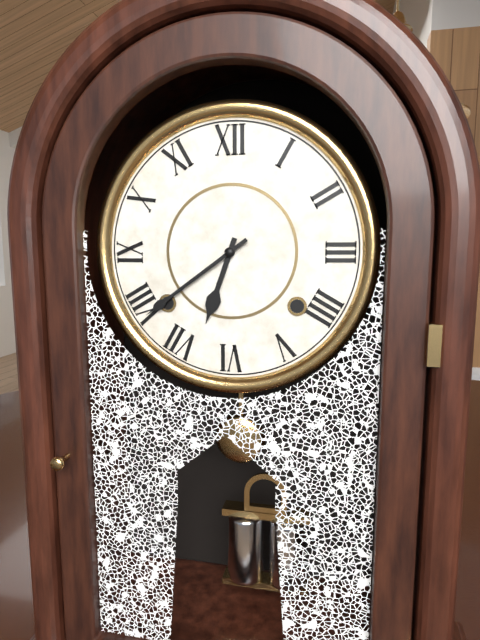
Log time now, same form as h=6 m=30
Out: h=6 m=39
